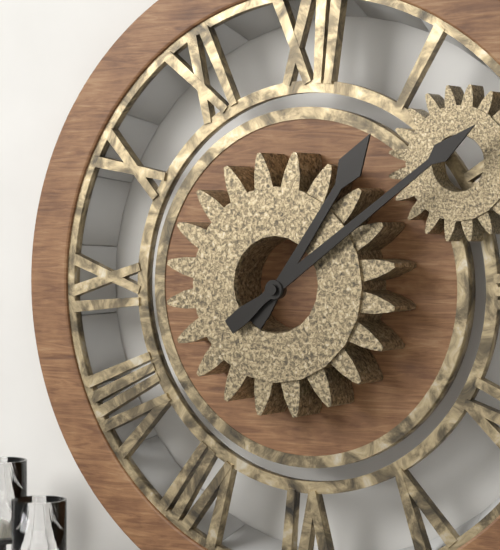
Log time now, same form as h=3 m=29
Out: h=1 m=9
